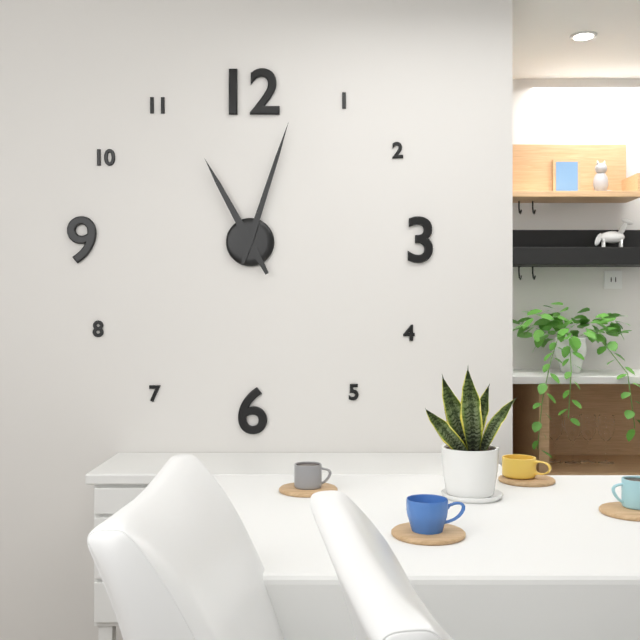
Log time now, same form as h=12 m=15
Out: h=11 m=3
